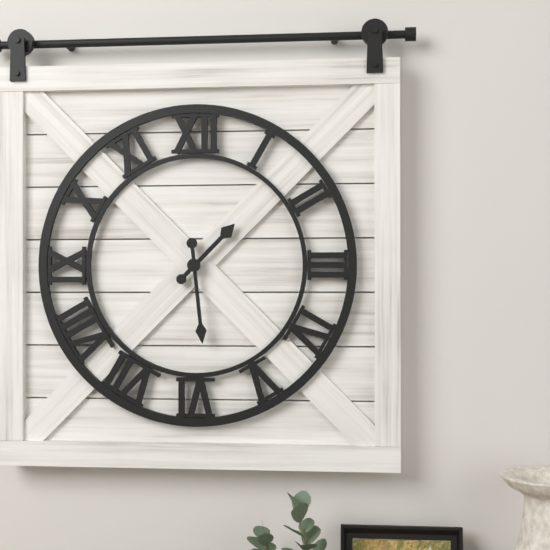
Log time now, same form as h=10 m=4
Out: h=1 m=29
